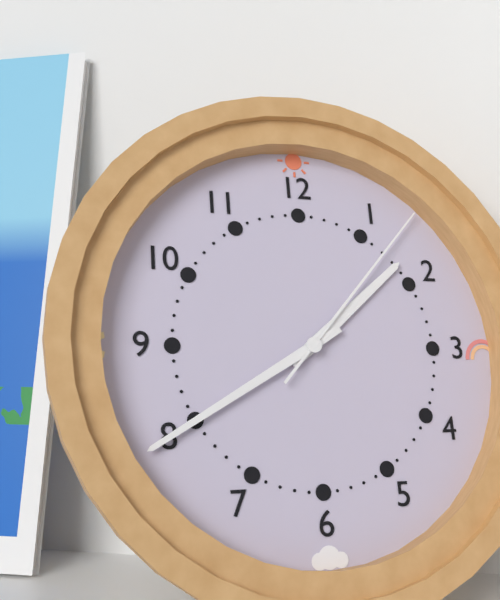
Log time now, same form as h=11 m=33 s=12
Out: h=1 m=40 s=7
